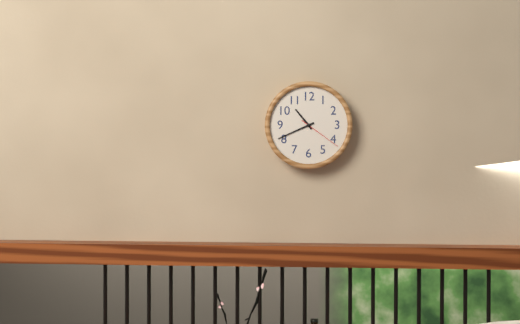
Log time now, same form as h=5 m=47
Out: h=10 m=41
